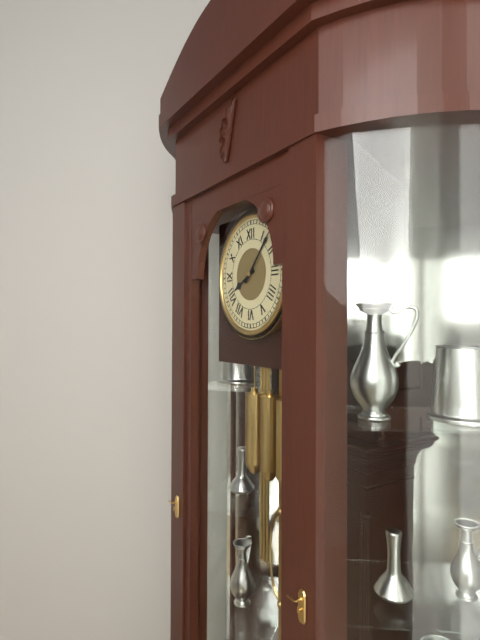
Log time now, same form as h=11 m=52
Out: h=8 m=7
